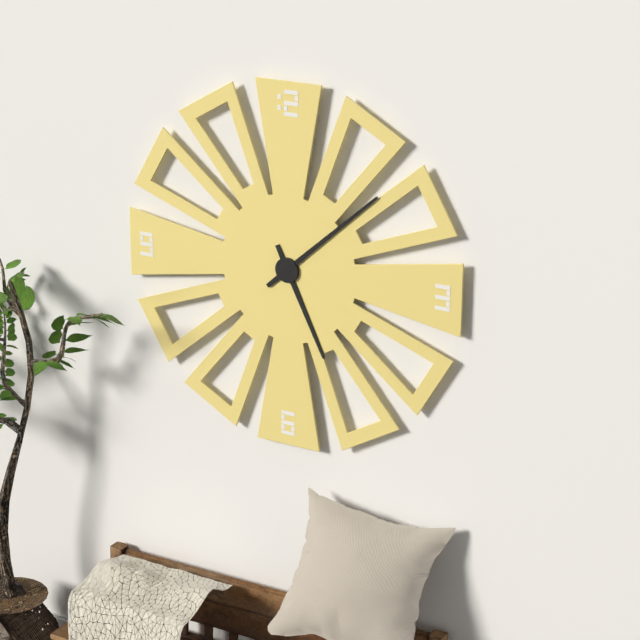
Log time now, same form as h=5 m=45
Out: h=5 m=8
